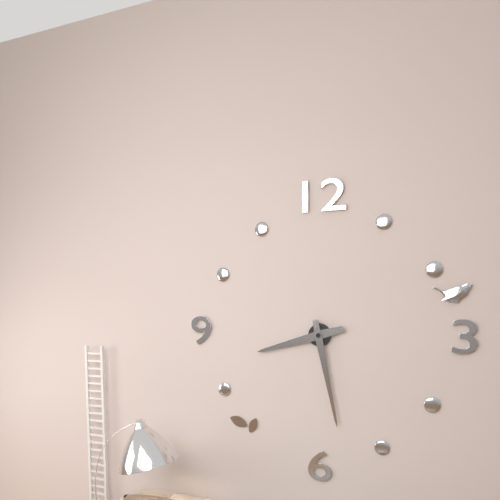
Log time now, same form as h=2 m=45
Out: h=8 m=28
